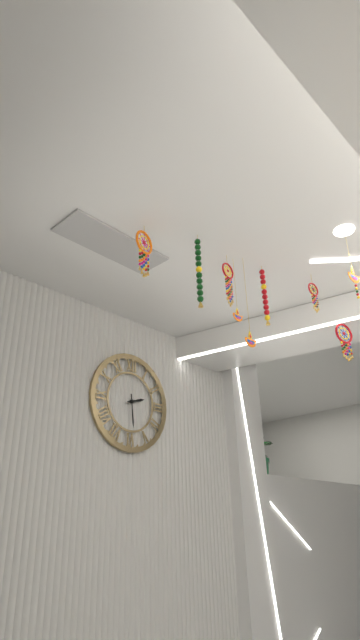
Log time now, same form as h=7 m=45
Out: h=2 m=29
